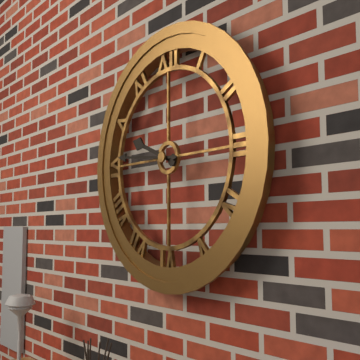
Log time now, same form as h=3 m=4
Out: h=9 m=46
